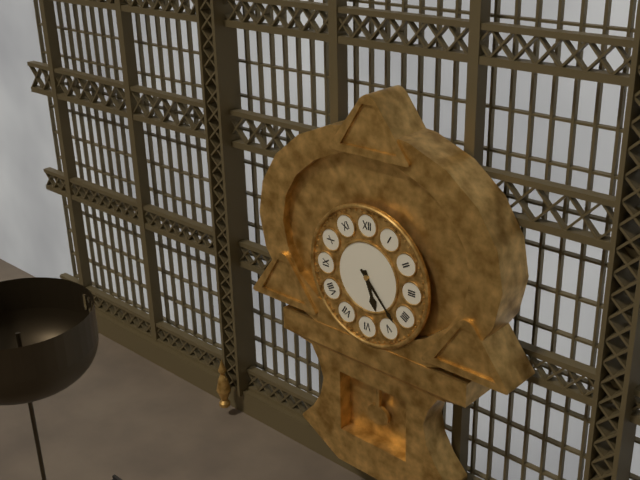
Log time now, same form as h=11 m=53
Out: h=5 m=23
